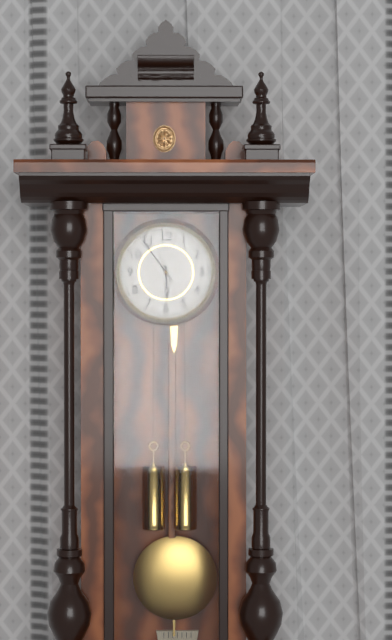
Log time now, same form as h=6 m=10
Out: h=5 m=54
